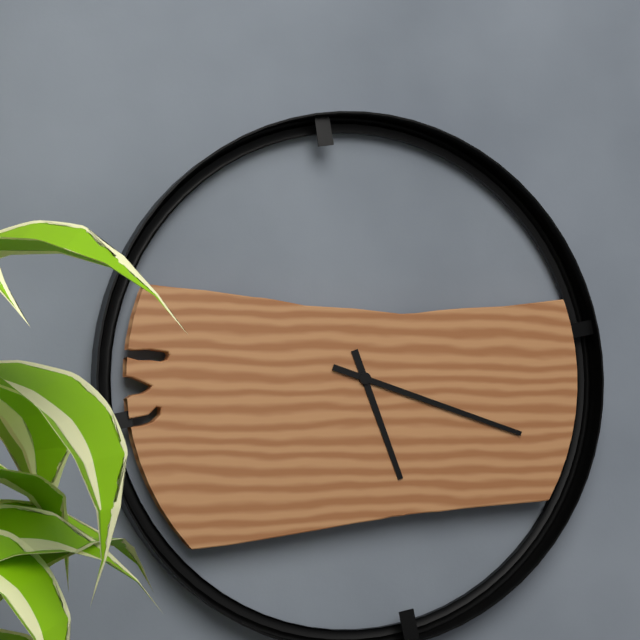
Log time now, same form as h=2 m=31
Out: h=5 m=18
